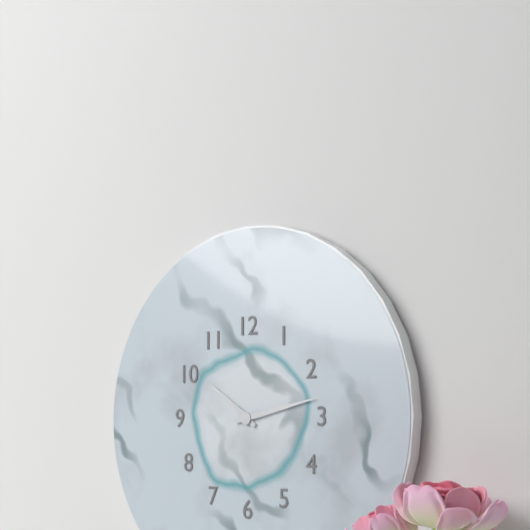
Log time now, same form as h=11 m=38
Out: h=10 m=13
